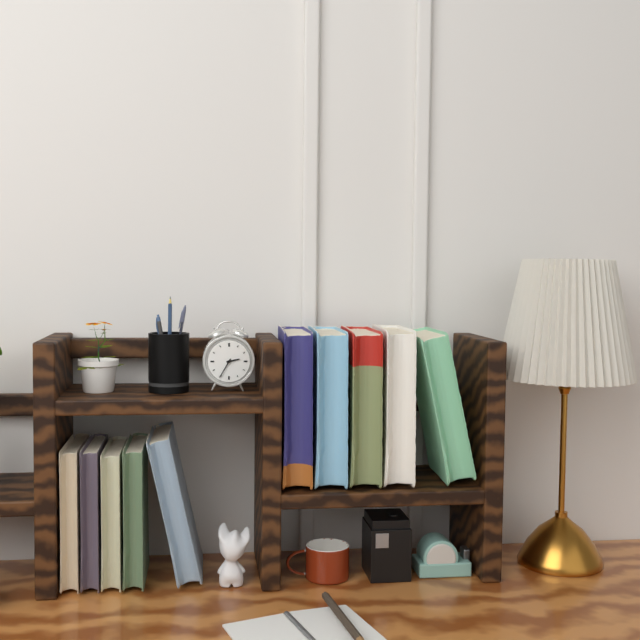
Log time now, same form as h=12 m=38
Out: h=2 m=35
